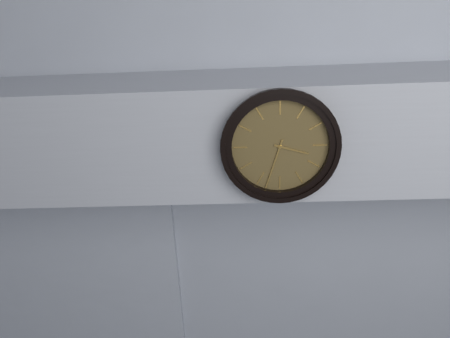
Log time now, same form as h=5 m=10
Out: h=3 m=33
